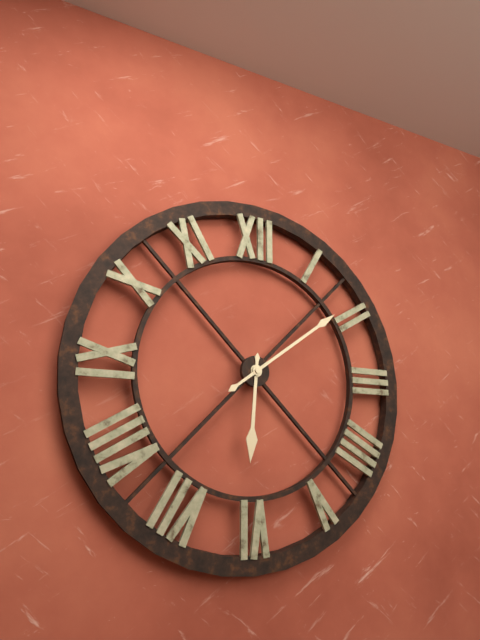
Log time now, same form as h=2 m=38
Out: h=6 m=9
